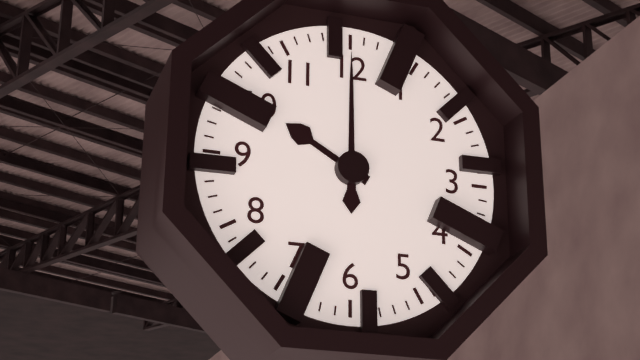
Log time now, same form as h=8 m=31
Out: h=10 m=0
